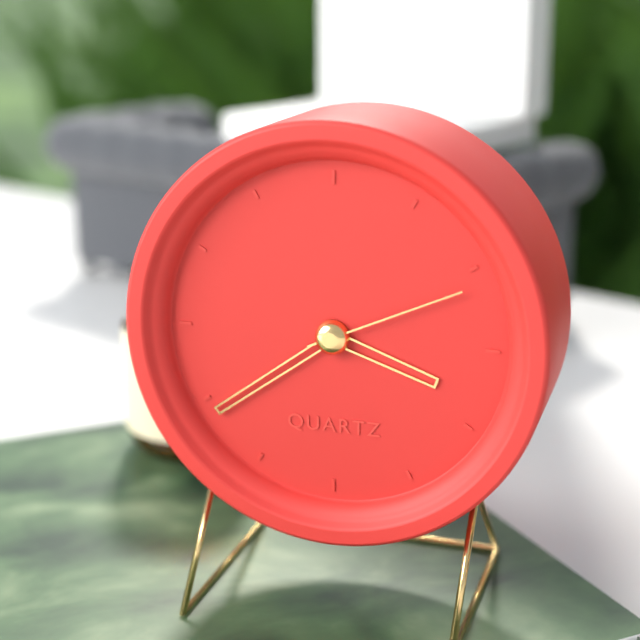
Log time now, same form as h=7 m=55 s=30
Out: h=3 m=39 s=11
